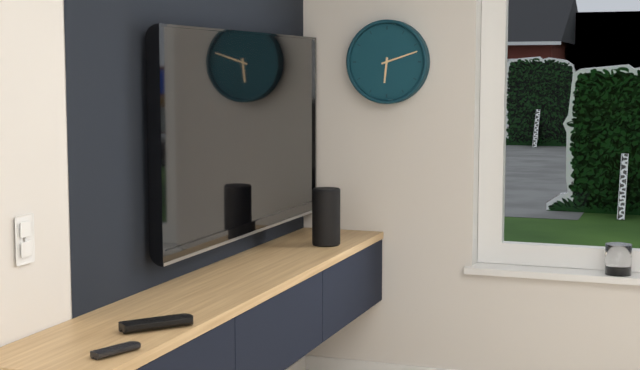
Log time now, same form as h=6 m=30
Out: h=6 m=12
